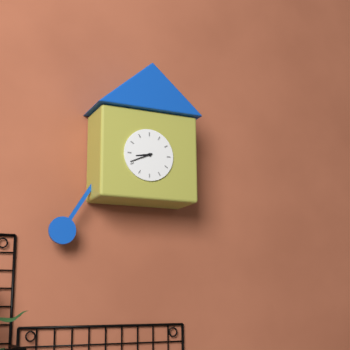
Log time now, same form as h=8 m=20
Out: h=8 m=41
